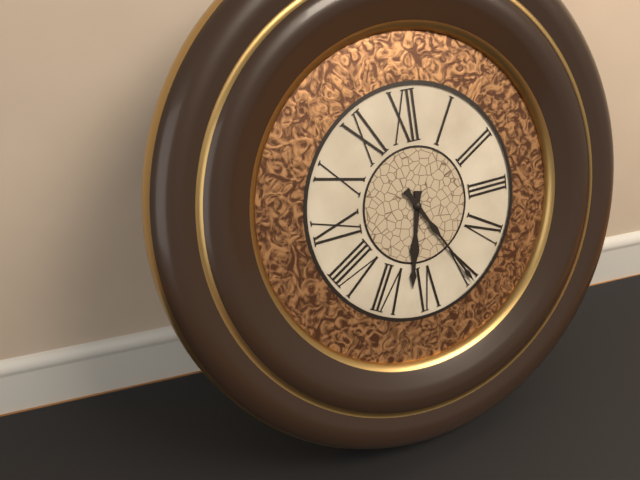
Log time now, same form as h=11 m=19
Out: h=6 m=25
